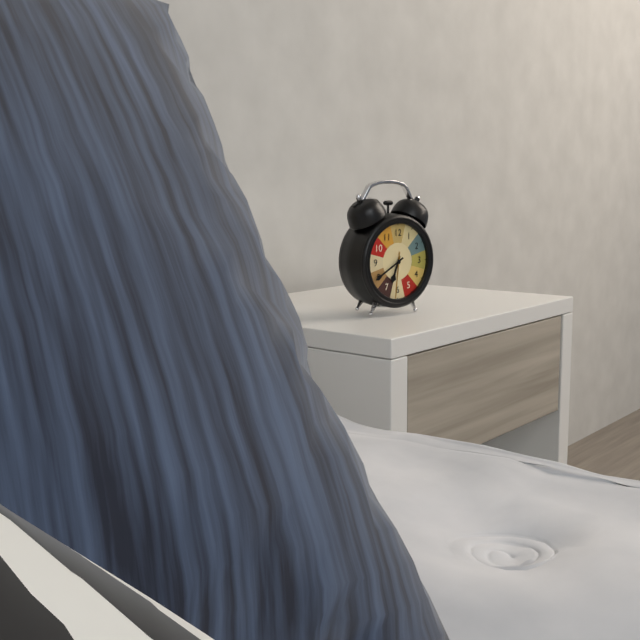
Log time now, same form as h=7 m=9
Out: h=6 m=40
